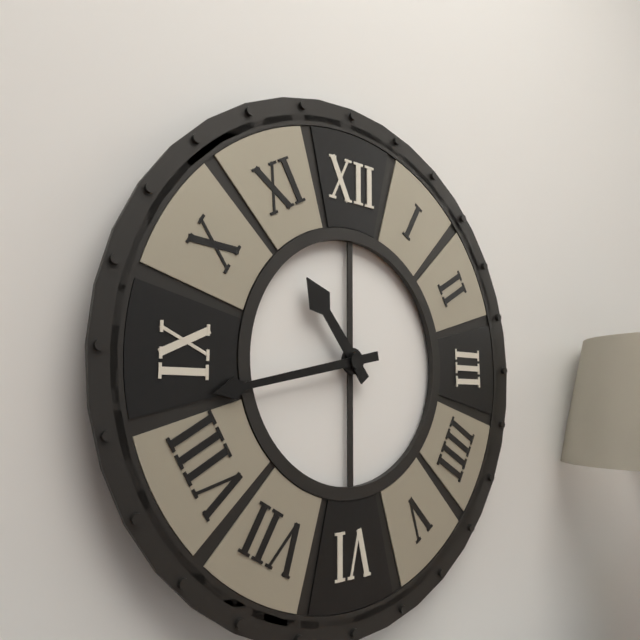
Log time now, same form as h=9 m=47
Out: h=10 m=43
